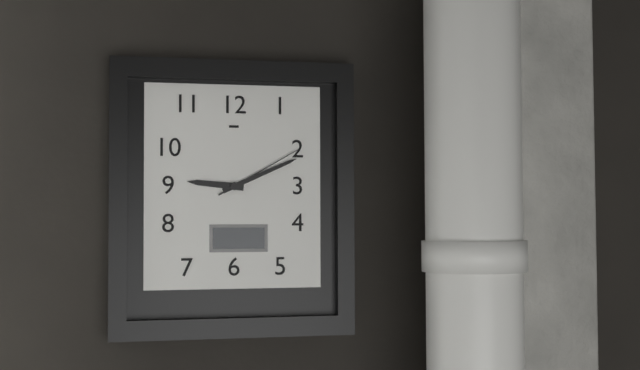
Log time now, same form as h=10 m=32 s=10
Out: h=9 m=11 s=10
